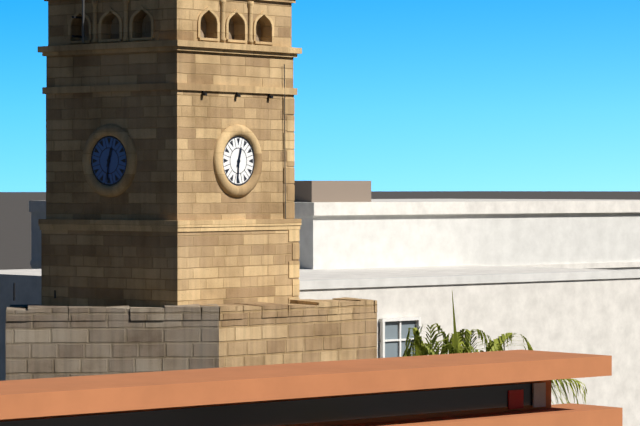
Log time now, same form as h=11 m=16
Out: h=12 m=31
